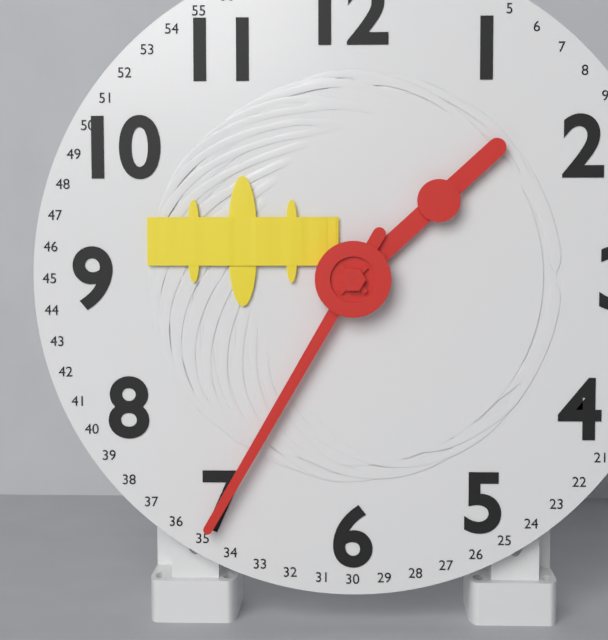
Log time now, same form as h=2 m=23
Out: h=1 m=35
